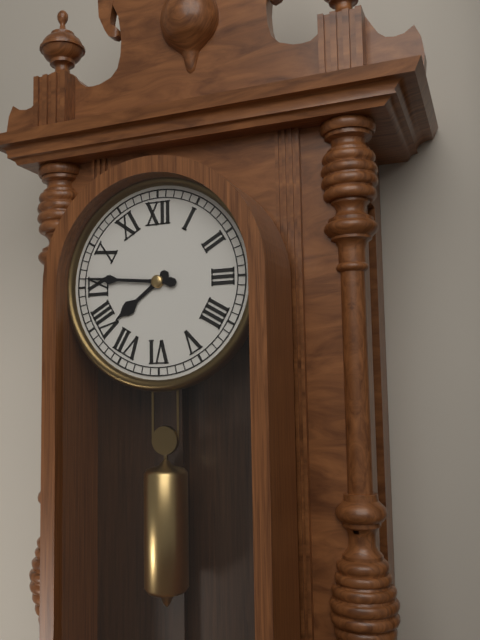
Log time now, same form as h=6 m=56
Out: h=7 m=46
